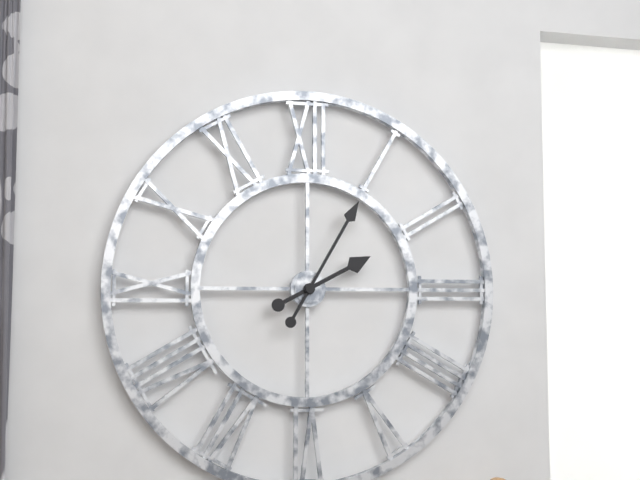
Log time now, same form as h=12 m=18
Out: h=2 m=5
